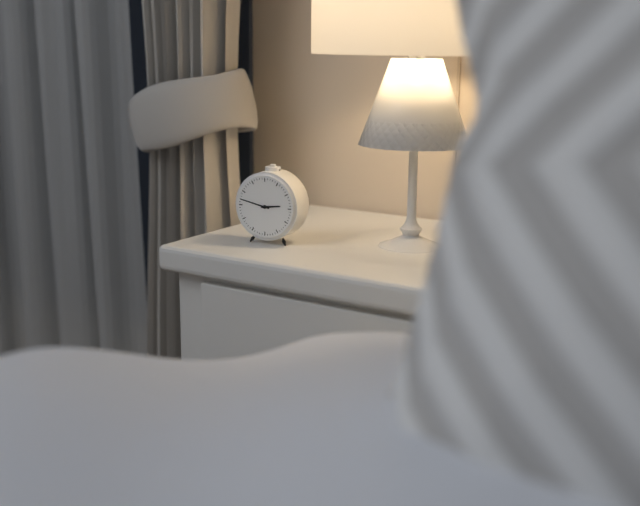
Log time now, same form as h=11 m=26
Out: h=2 m=47
